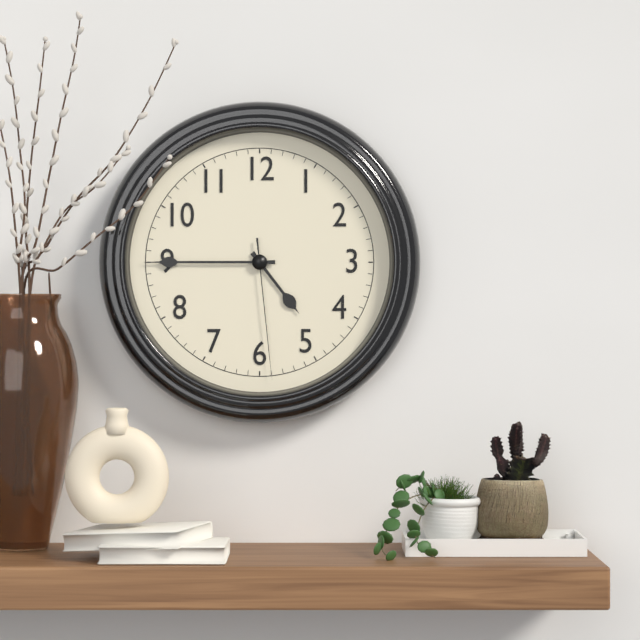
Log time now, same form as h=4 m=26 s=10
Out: h=4 m=45 s=29
